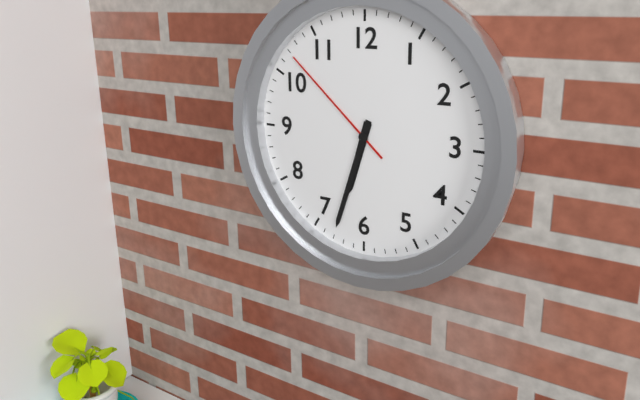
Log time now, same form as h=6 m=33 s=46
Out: h=6 m=33 s=52
